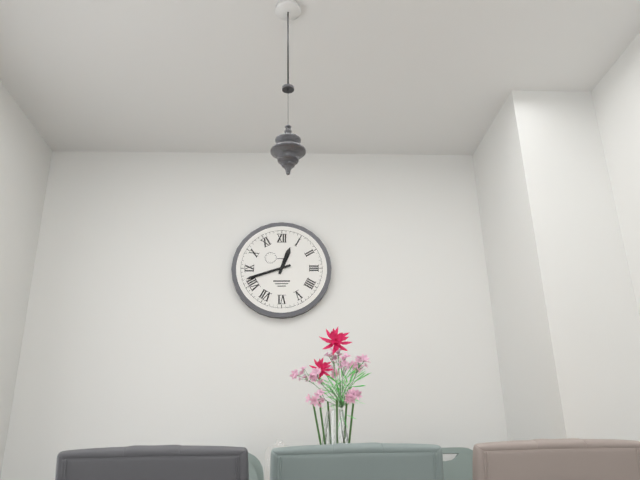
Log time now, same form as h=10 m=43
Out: h=12 m=42
